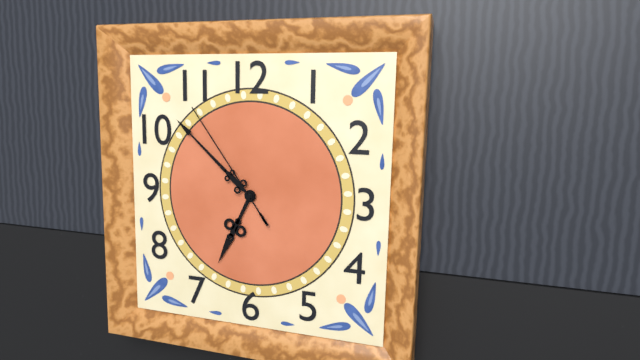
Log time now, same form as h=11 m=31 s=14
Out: h=6 m=52 s=54
